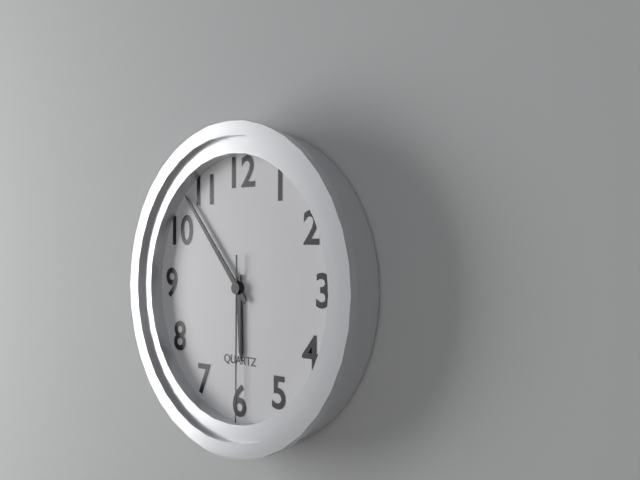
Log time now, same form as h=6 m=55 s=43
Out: h=5 m=53 s=30
